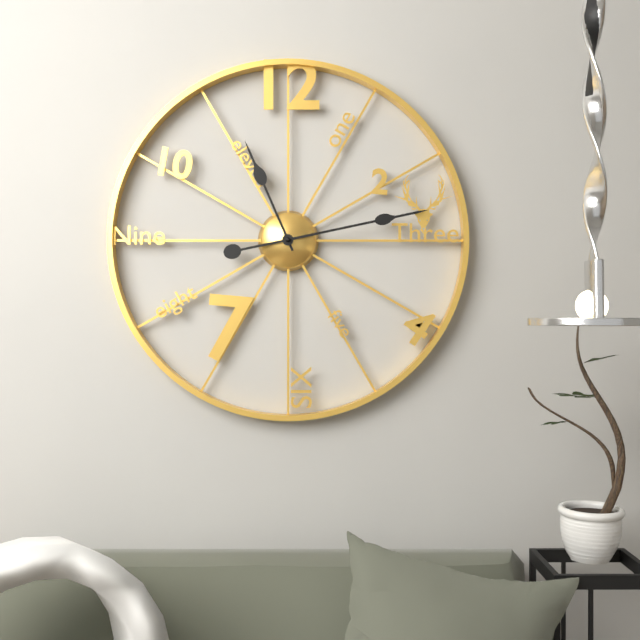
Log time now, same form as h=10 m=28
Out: h=11 m=13
